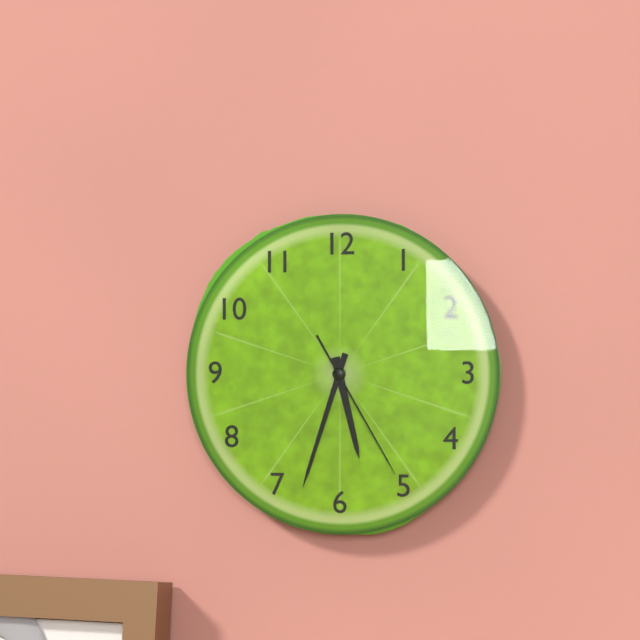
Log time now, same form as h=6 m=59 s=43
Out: h=5 m=33 s=25
